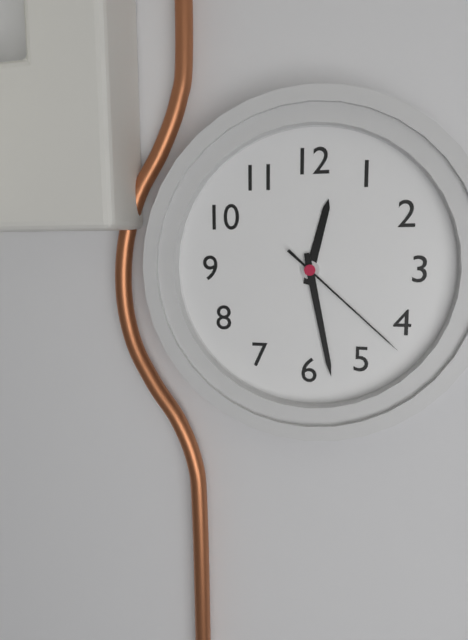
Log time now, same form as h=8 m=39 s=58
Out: h=12 m=28 s=22
